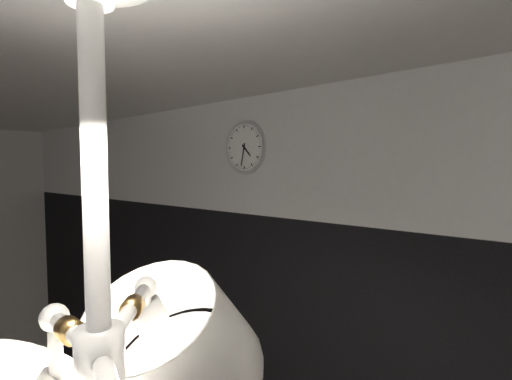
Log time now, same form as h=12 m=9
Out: h=4 m=32
